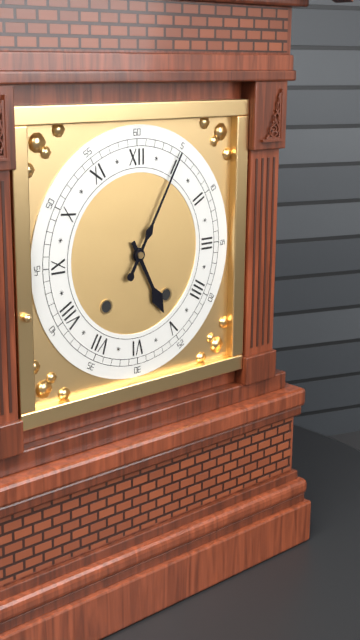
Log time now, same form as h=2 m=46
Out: h=5 m=5
